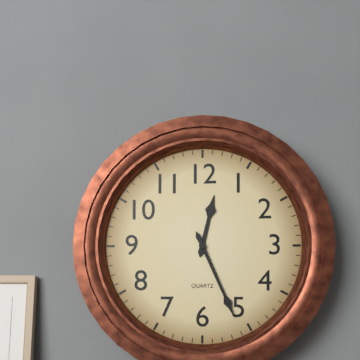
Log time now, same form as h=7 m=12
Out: h=12 m=26
